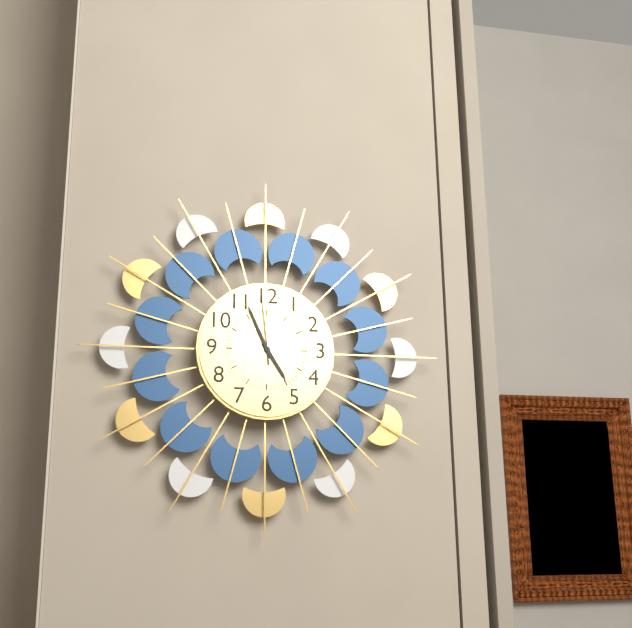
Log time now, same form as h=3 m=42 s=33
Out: h=4 m=56 s=59
